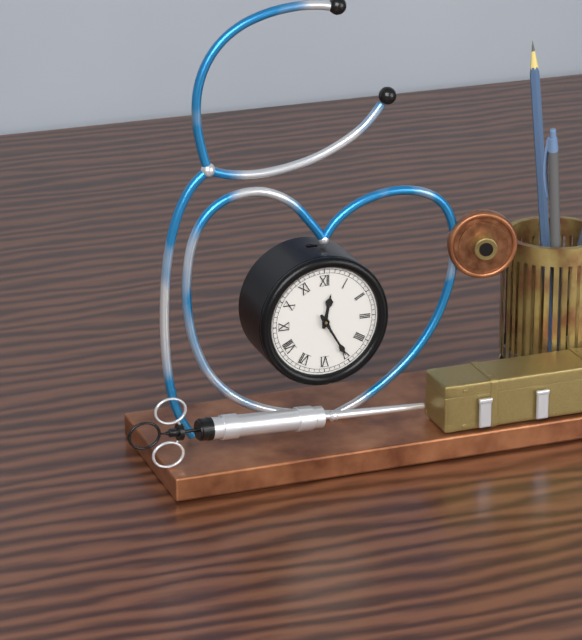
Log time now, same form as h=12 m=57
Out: h=12 m=25
